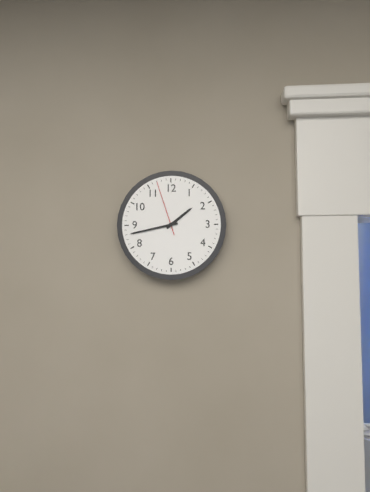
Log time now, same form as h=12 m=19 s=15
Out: h=1 m=43 s=57
